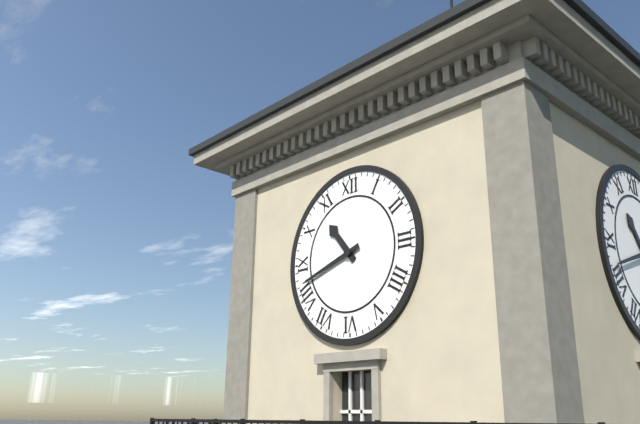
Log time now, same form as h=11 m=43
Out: h=10 m=42
